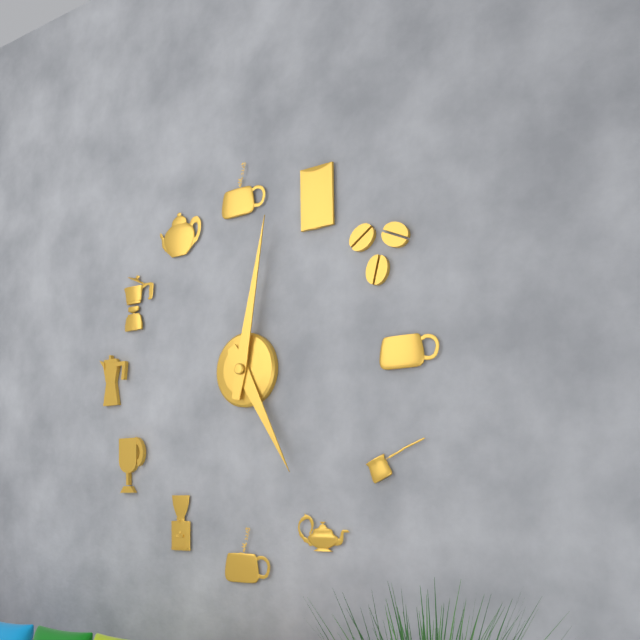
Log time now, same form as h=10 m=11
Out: h=5 m=2
